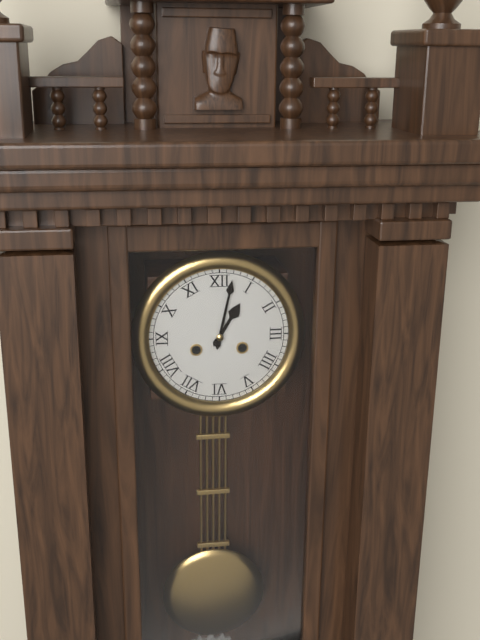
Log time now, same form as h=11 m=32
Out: h=1 m=2
